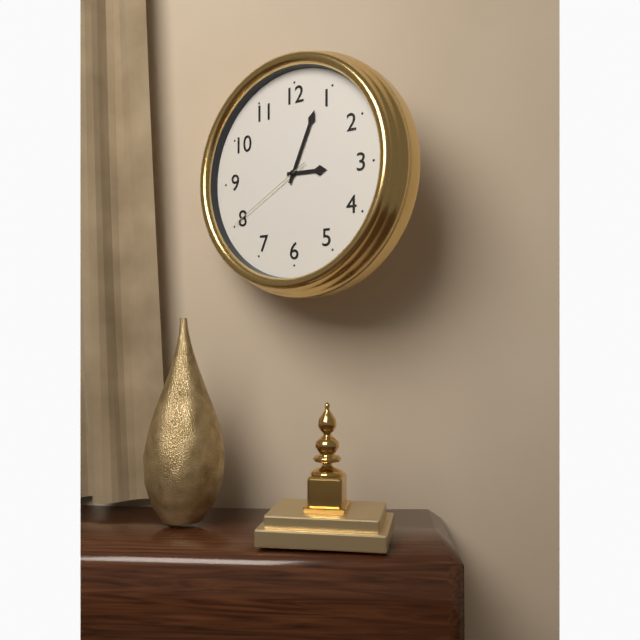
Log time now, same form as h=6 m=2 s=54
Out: h=3 m=4 s=40
